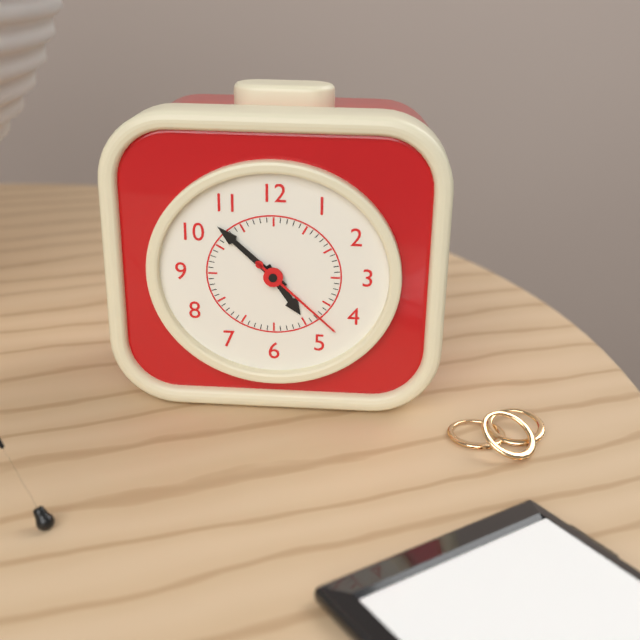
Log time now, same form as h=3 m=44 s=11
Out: h=4 m=52 s=22
